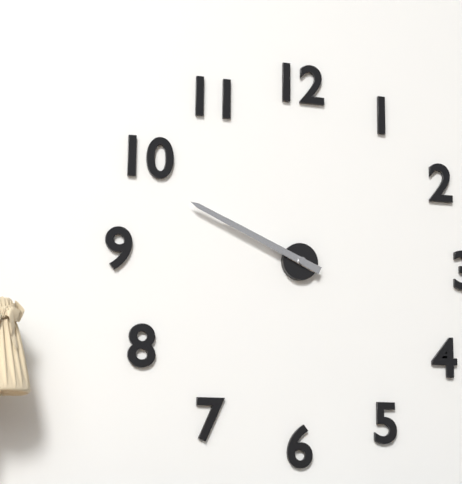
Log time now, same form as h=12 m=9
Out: h=9 m=49
